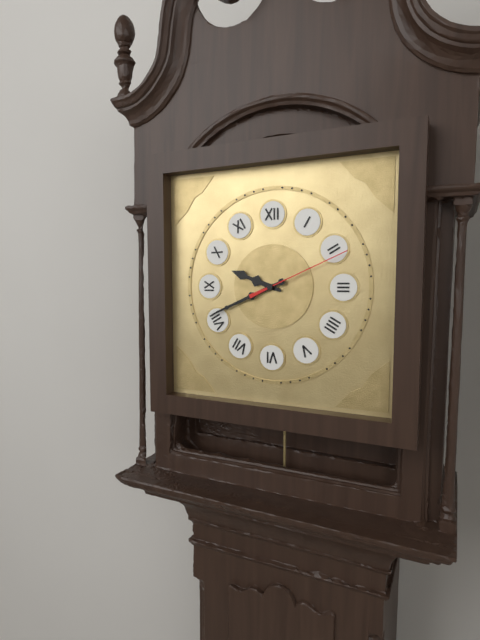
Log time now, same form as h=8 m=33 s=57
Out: h=9 m=41 s=11
